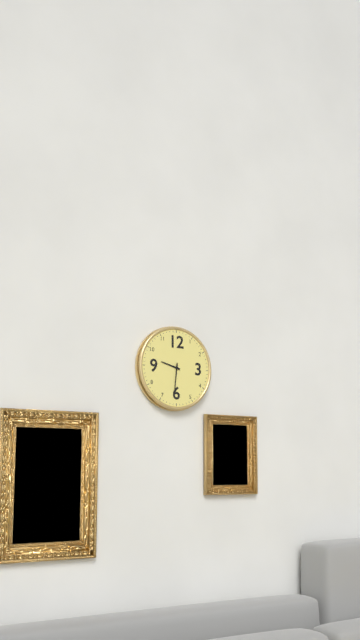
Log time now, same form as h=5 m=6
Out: h=9 m=31
